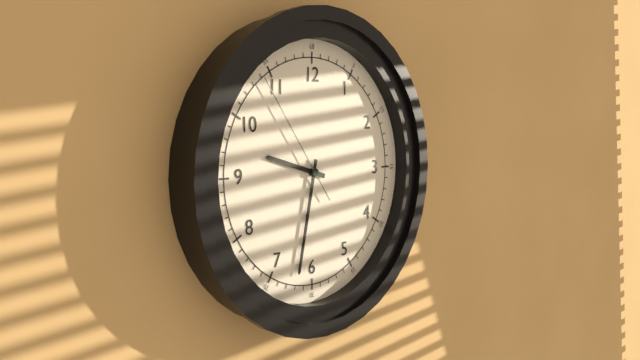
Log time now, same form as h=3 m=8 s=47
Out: h=9 m=32 s=54
